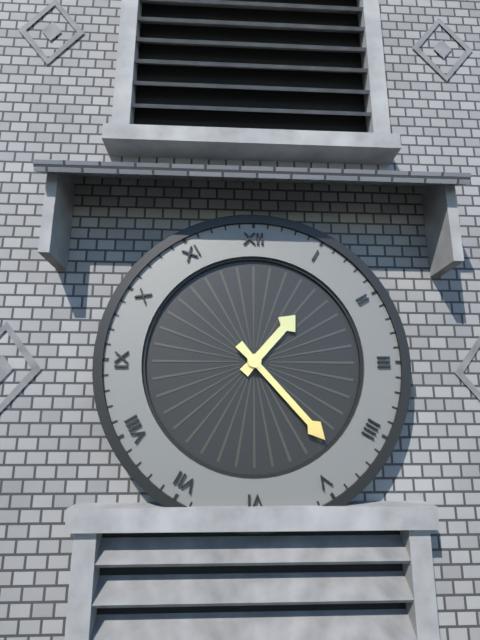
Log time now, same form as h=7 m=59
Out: h=1 m=23
